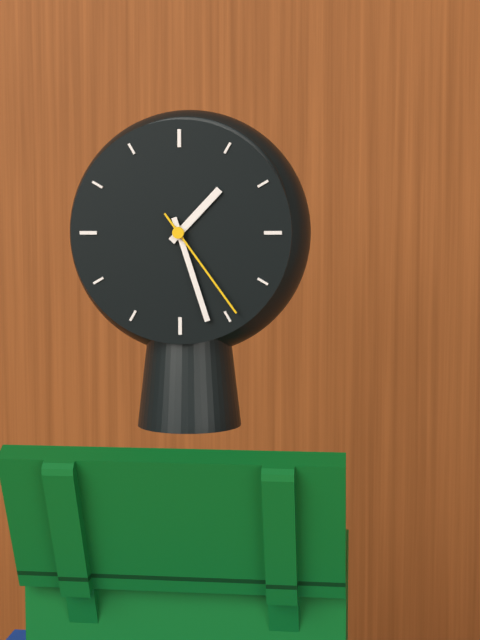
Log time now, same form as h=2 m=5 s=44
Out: h=1 m=27 s=24
